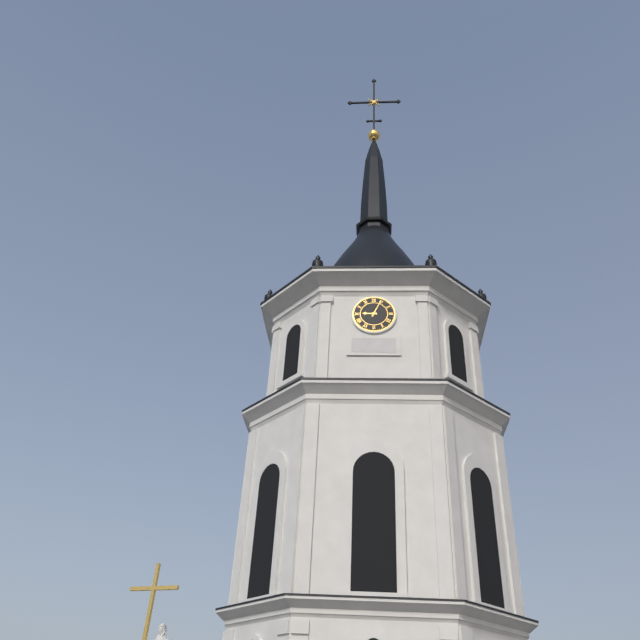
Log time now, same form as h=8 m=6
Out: h=9 m=4
